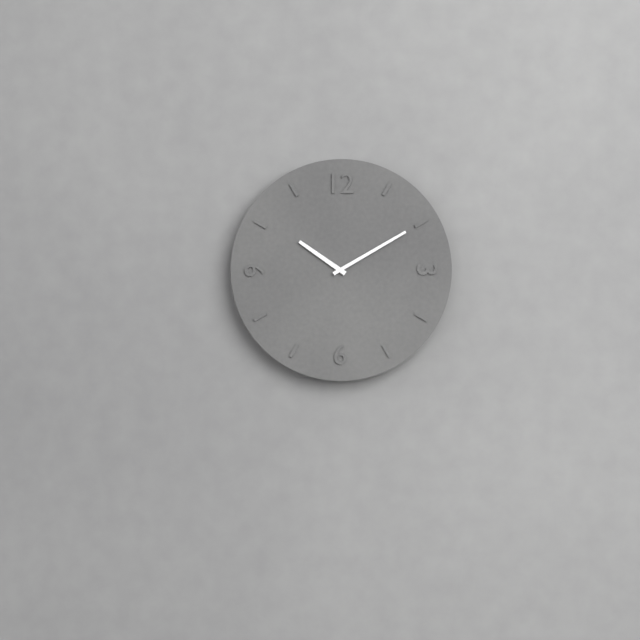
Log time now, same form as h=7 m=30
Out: h=10 m=10
